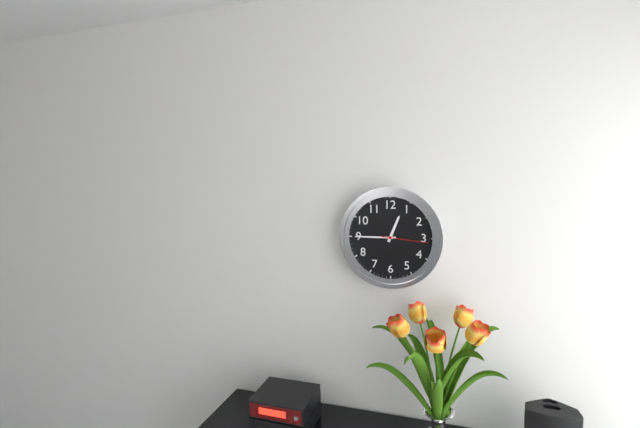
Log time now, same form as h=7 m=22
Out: h=12 m=45
